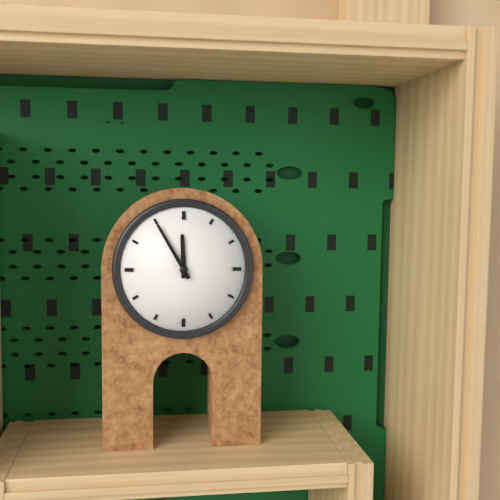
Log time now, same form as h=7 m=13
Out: h=11 m=55
